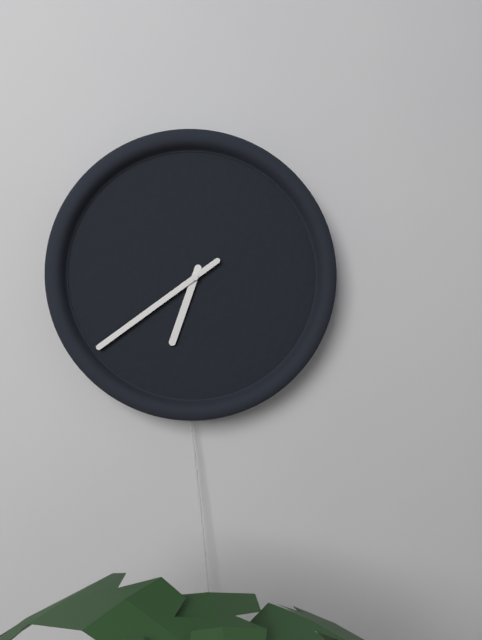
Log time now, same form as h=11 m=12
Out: h=6 m=39
